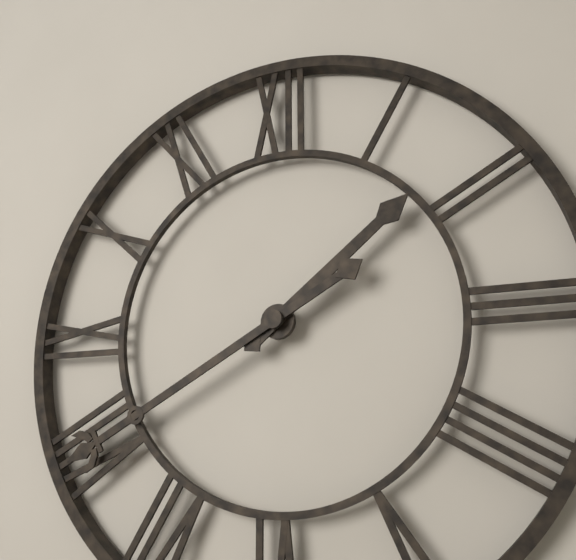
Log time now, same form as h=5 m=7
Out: h=1 m=40
